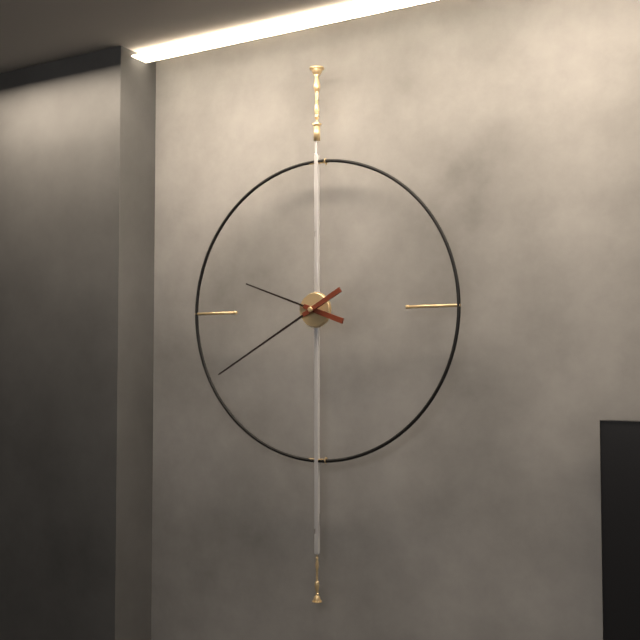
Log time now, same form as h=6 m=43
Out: h=9 m=40
